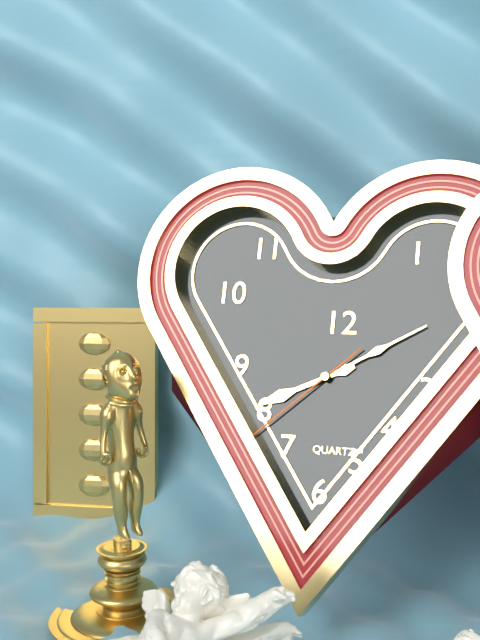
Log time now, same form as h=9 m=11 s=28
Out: h=8 m=10 s=38
